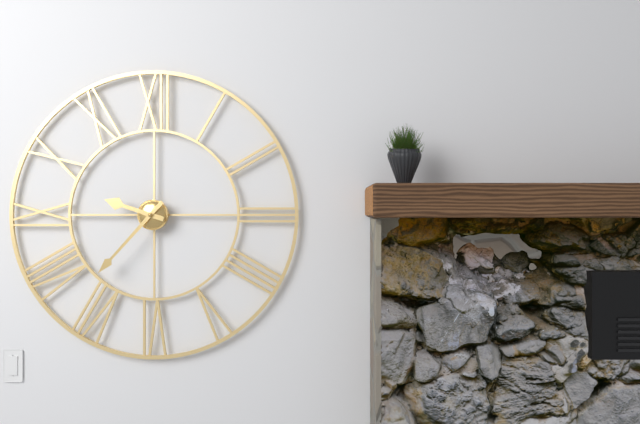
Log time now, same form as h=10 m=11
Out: h=9 m=37
